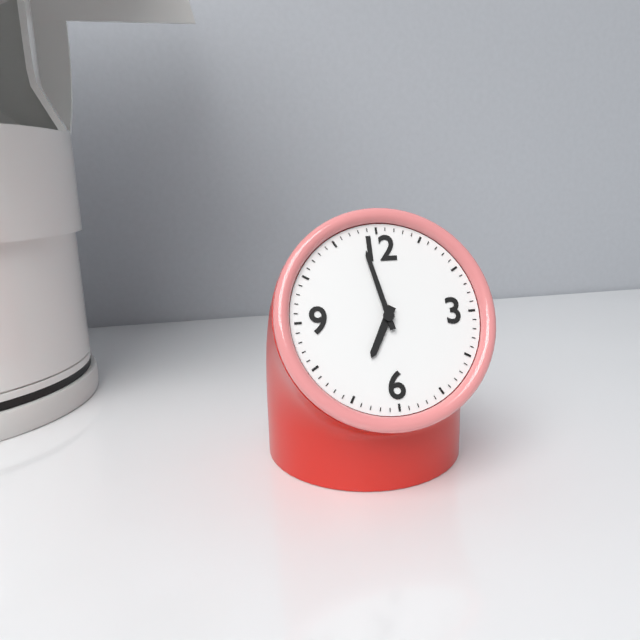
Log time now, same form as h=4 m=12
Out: h=6 m=58
